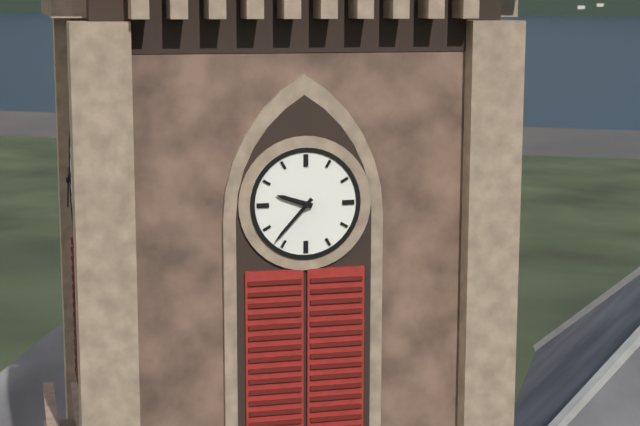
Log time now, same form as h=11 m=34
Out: h=9 m=37
